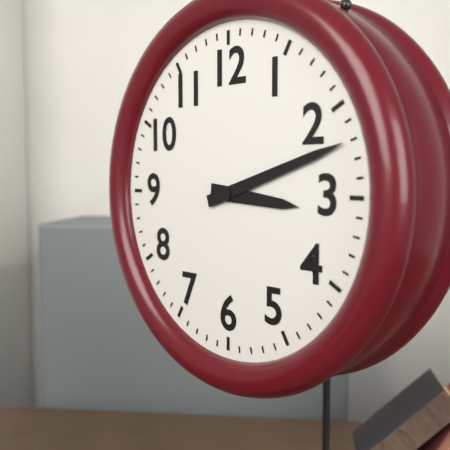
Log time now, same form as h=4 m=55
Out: h=3 m=12
